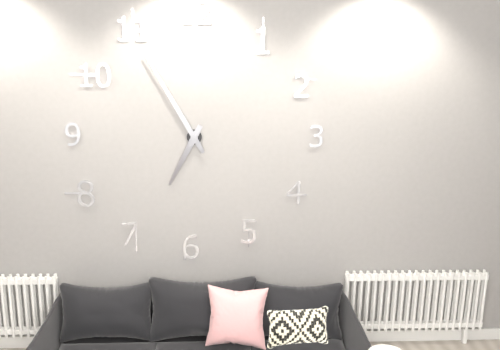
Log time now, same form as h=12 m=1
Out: h=6 m=55
